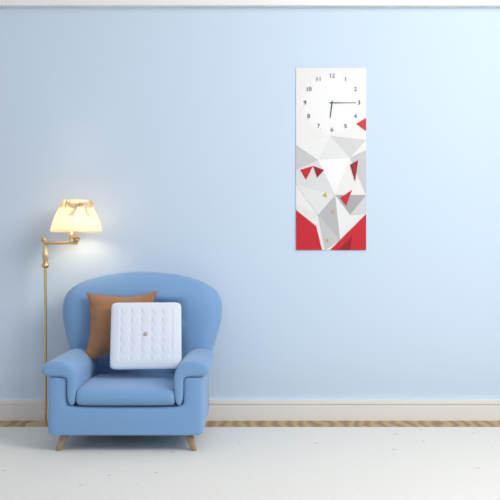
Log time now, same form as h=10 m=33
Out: h=6 m=15
